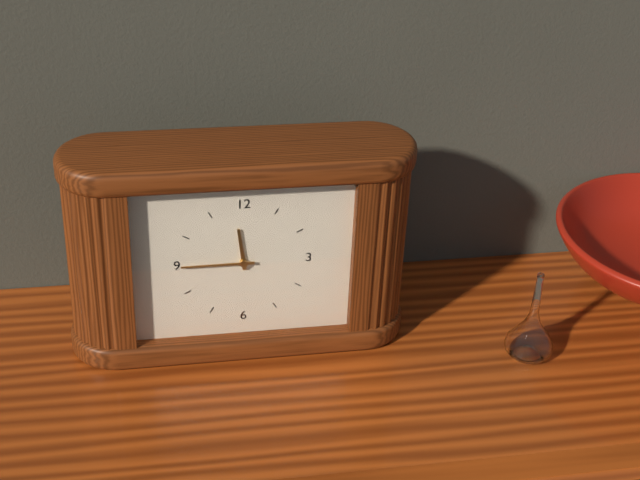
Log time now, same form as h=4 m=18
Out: h=11 m=45
